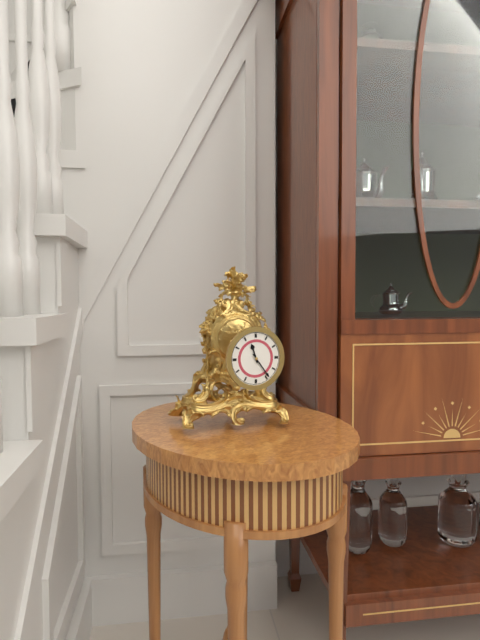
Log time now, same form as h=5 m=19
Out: h=11 m=24
